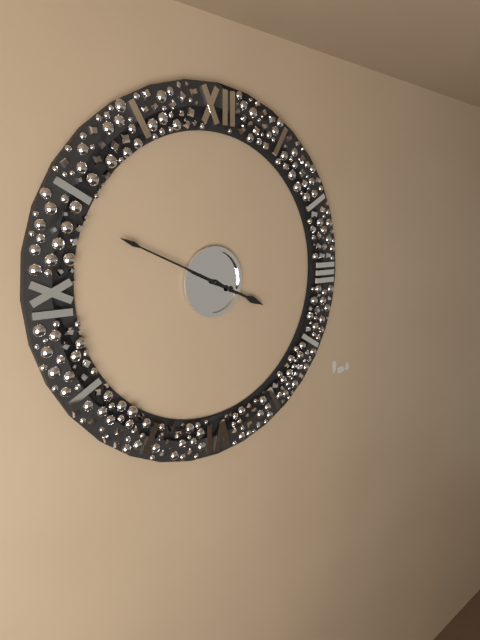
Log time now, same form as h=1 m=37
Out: h=3 m=49
